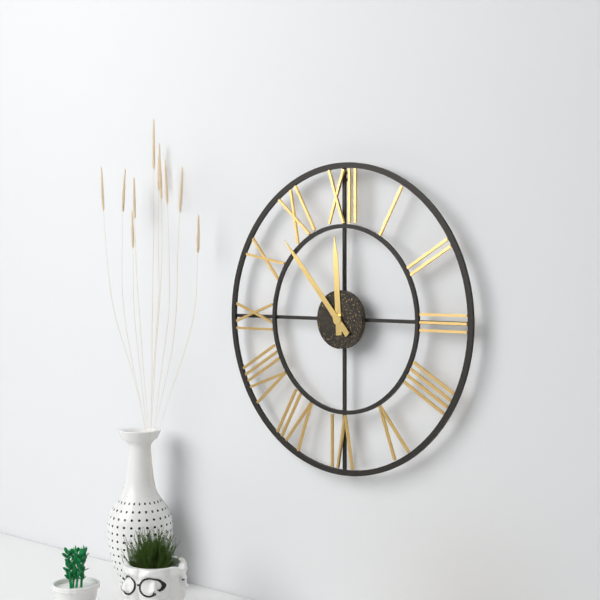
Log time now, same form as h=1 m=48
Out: h=11 m=53
